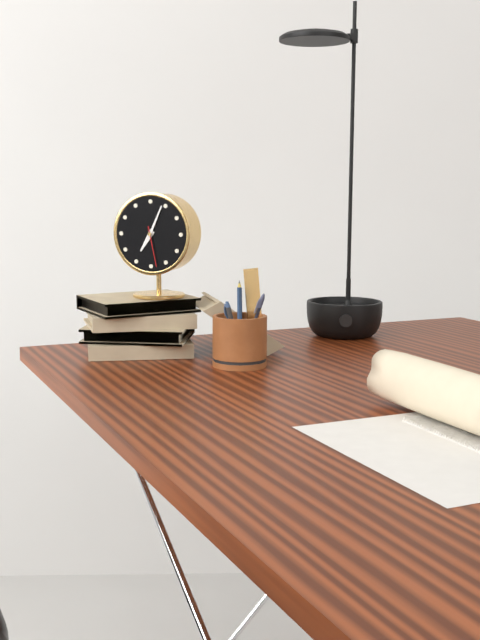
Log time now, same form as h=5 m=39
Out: h=7 m=4
